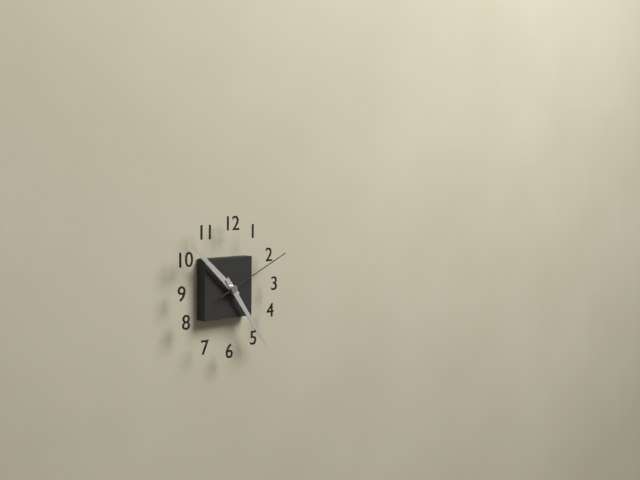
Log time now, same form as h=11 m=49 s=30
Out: h=10 m=24 s=11
